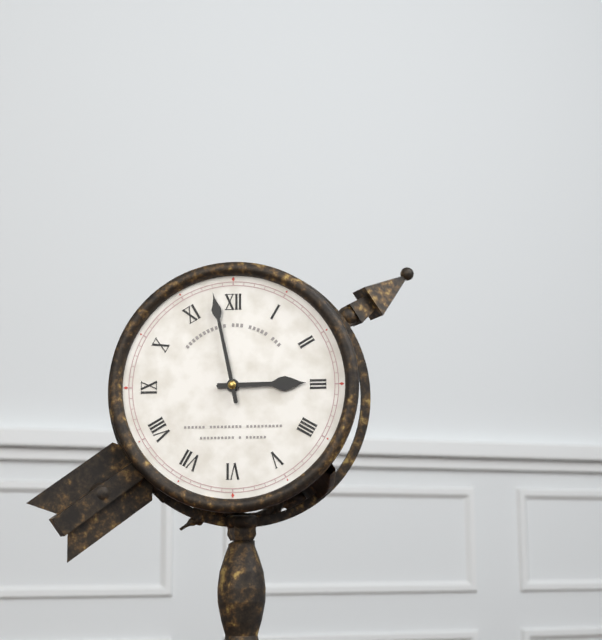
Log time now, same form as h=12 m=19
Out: h=2 m=58
